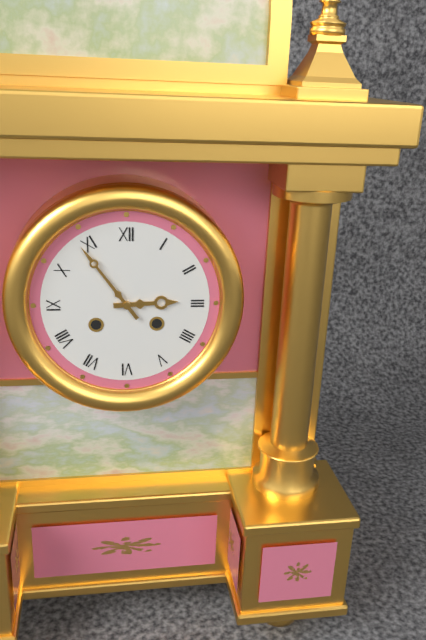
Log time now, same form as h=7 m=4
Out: h=2 m=54
